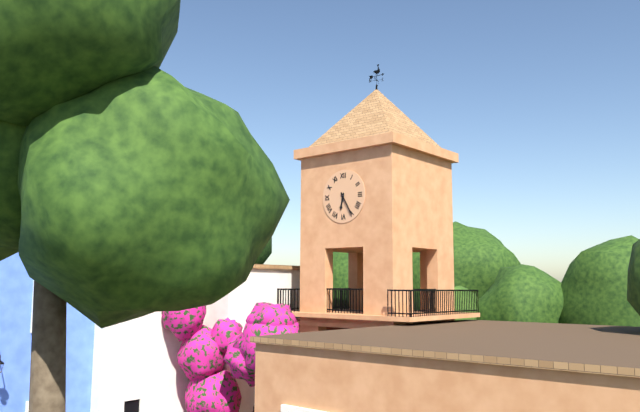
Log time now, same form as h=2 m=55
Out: h=6 m=25
